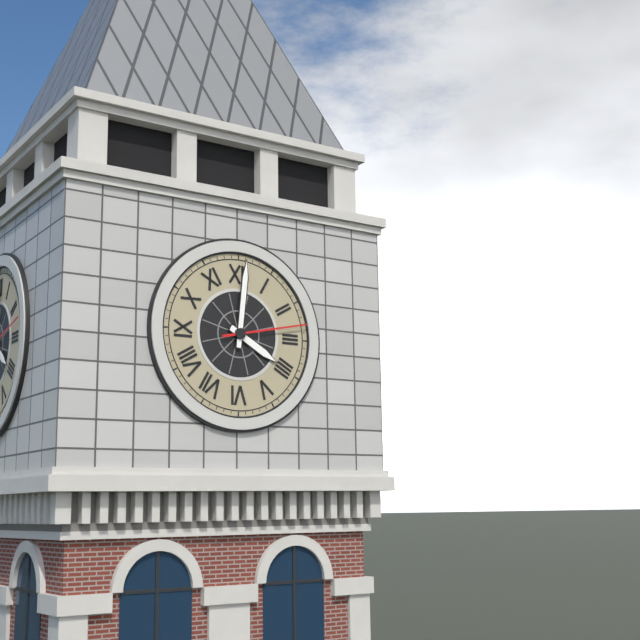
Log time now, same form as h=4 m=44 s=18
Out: h=4 m=1 s=13
